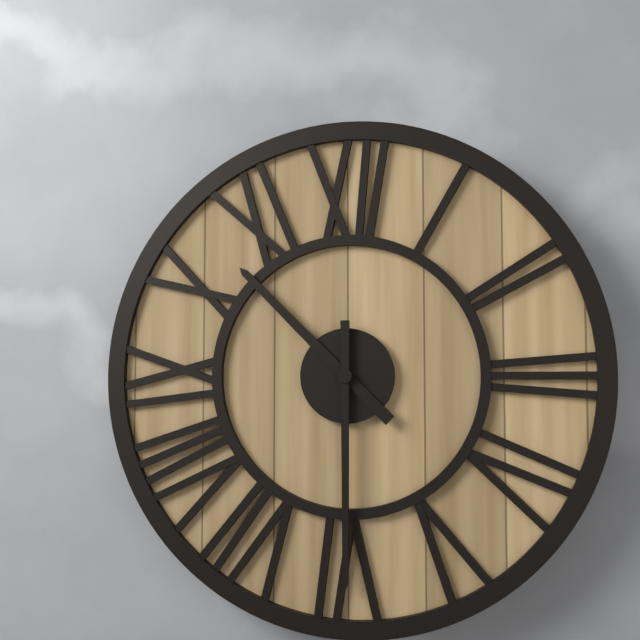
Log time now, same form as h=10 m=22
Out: h=10 m=30
